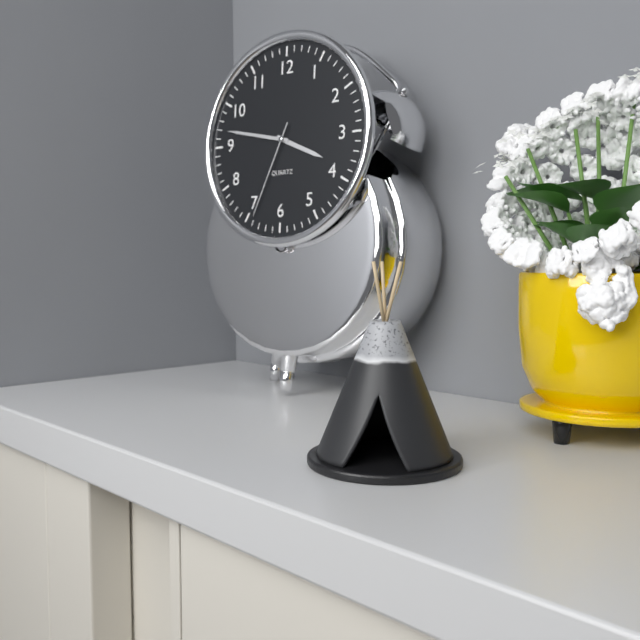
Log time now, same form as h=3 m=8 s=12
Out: h=3 m=47 s=34
